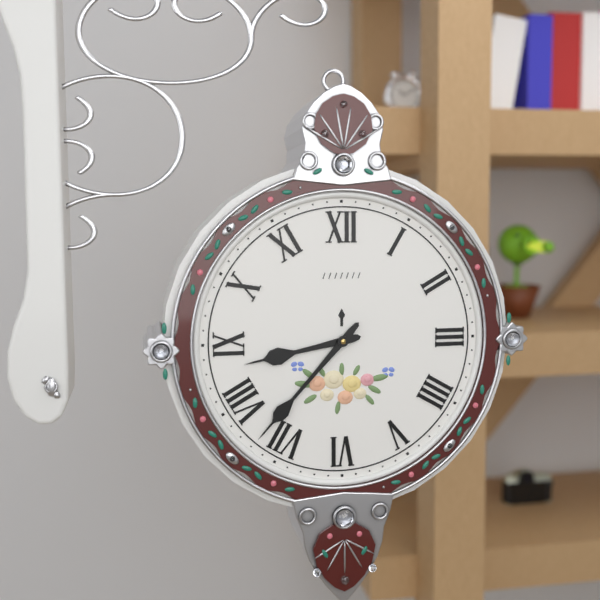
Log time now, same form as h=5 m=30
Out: h=8 m=37
